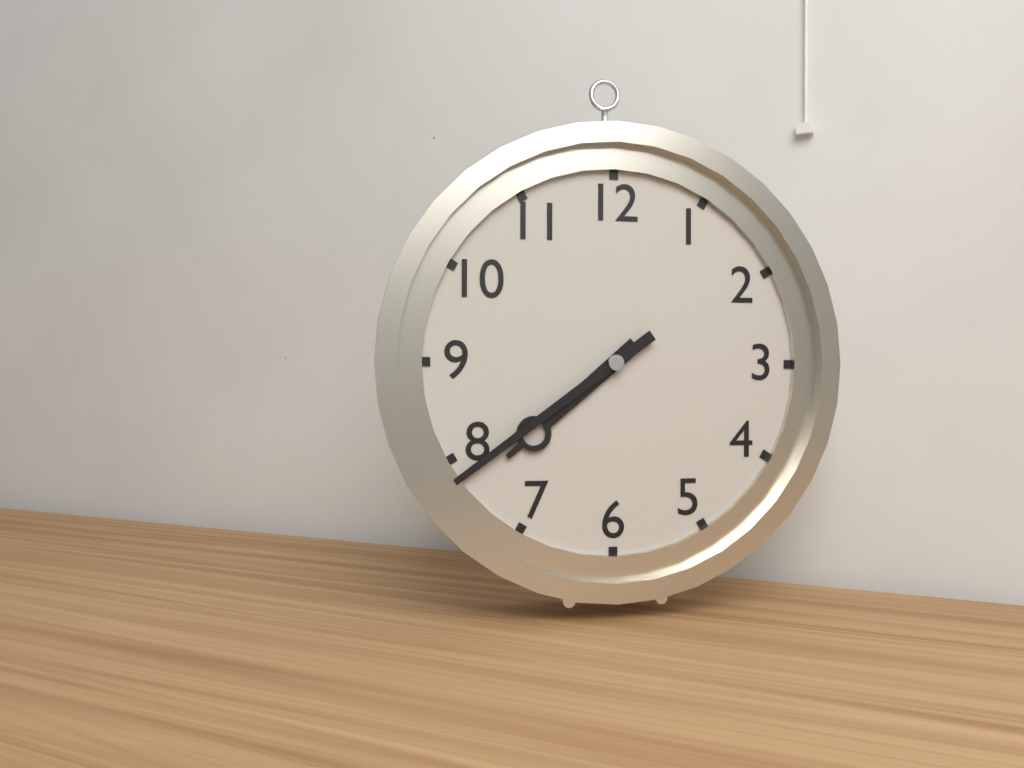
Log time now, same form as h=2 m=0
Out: h=7 m=39
